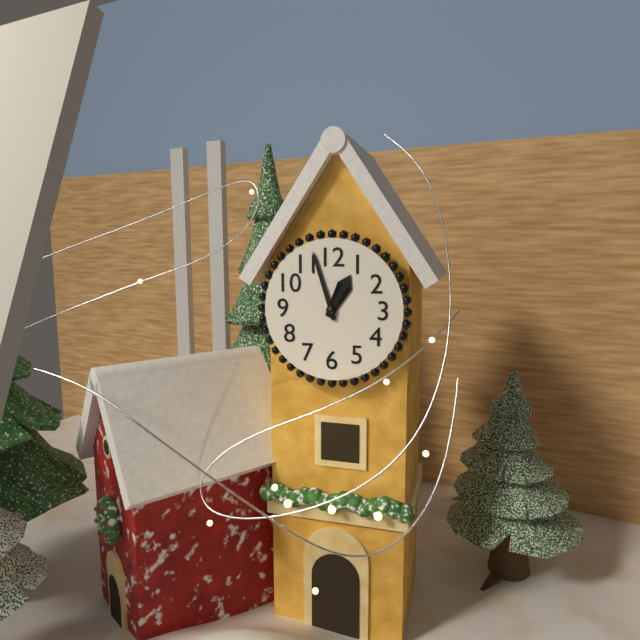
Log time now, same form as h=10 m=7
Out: h=12 m=57
